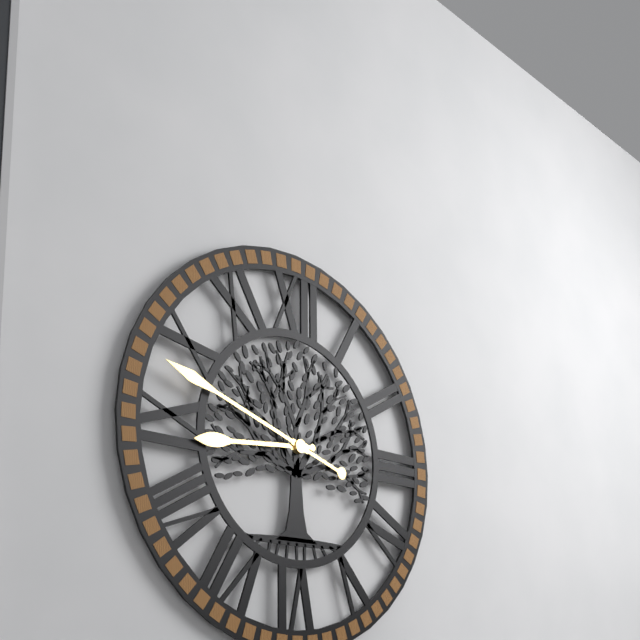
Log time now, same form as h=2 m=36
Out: h=8 m=48
